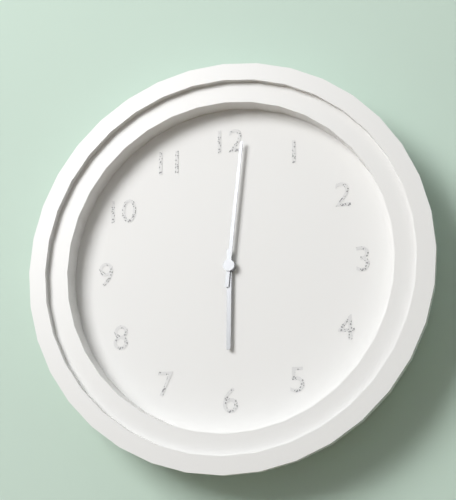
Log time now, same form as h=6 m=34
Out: h=6 m=1
